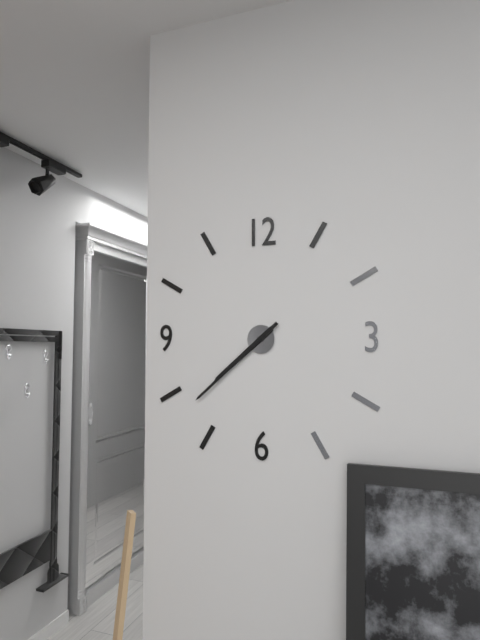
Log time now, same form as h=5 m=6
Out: h=7 m=38
